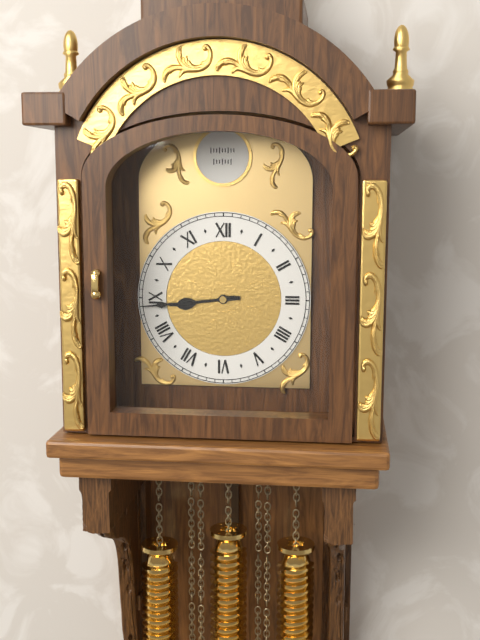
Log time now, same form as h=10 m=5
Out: h=8 m=44
